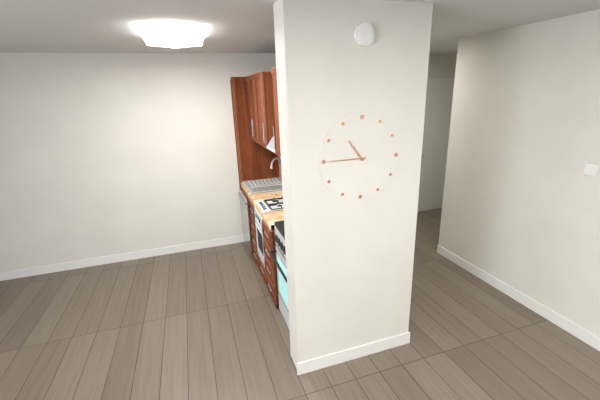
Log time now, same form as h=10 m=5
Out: h=10 m=45
